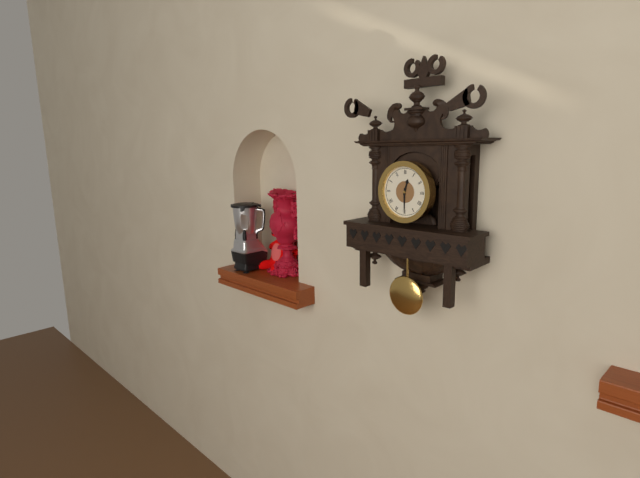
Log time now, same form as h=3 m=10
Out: h=12 m=30
